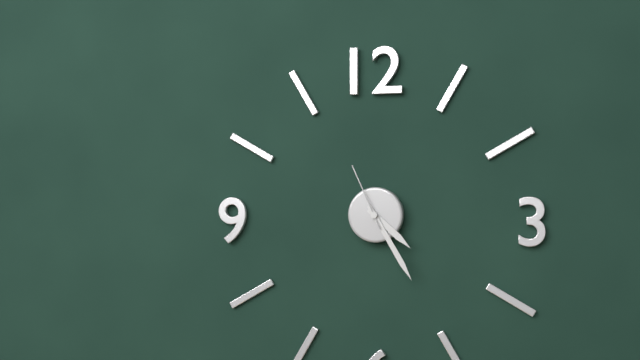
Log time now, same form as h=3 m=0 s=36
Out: h=4 m=25 s=56
